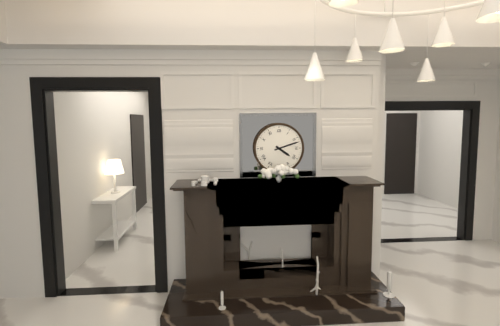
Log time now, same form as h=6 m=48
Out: h=4 m=12
